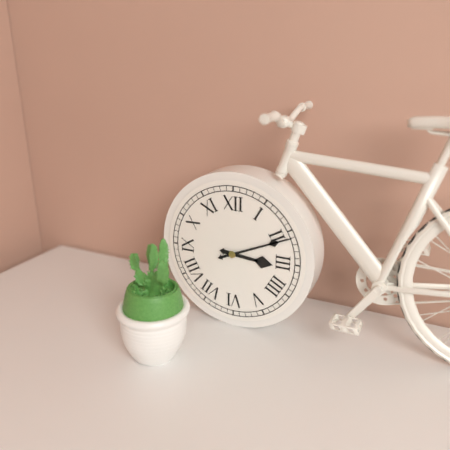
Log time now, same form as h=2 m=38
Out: h=3 m=11
